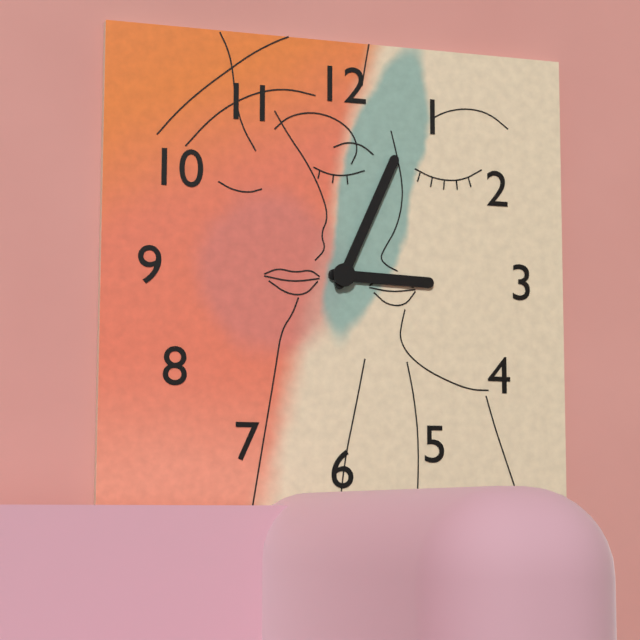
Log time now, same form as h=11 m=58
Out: h=3 m=4
